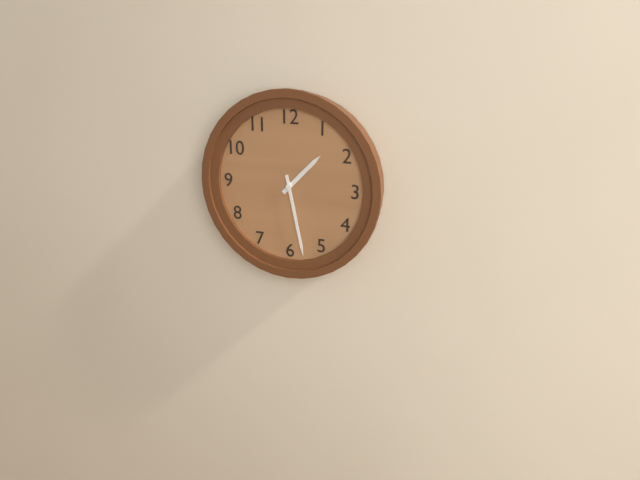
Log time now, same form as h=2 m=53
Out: h=1 m=28
